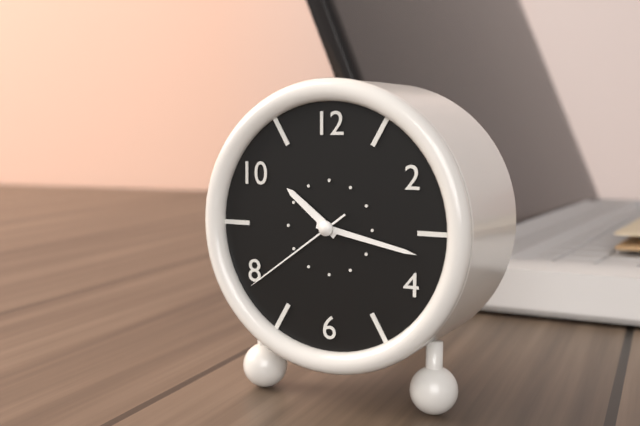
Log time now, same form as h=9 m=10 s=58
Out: h=10 m=17 s=39
